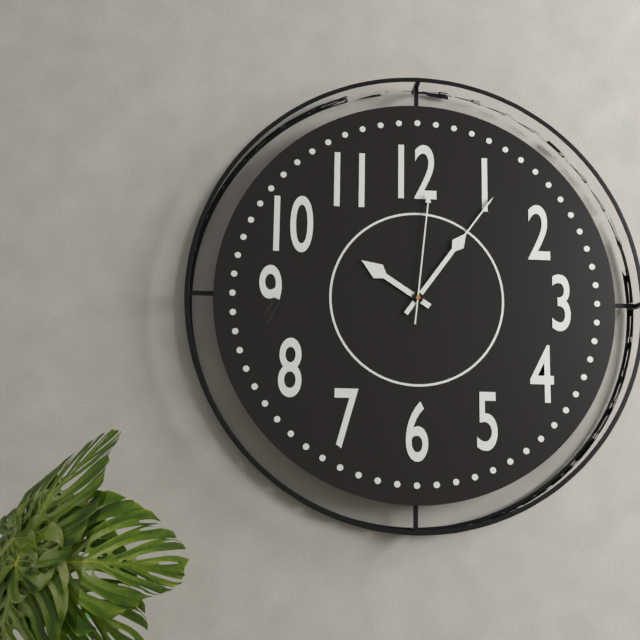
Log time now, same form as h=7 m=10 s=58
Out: h=10 m=6 s=1
